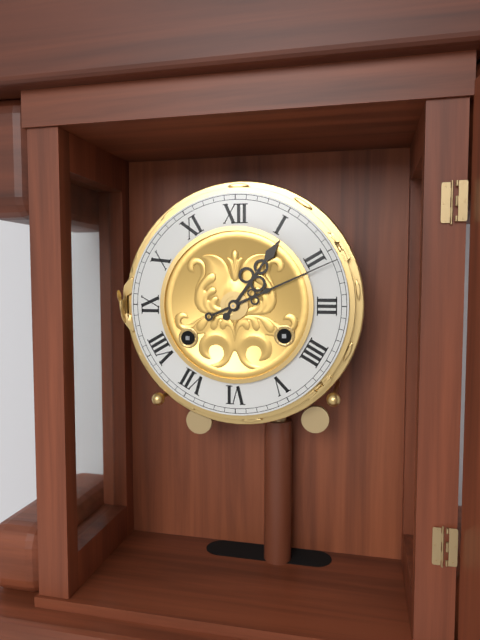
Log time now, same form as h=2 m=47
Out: h=1 m=11
